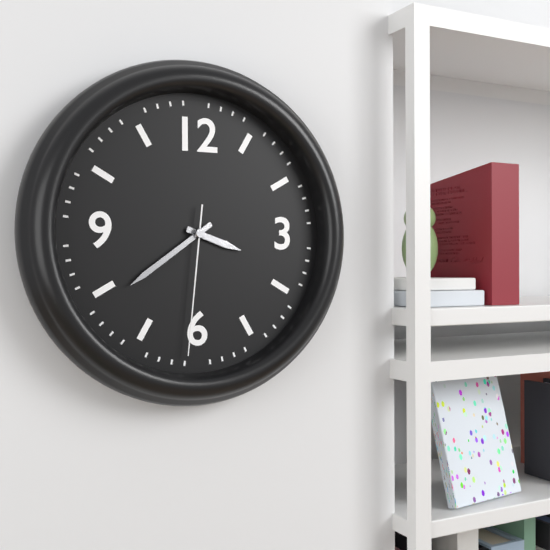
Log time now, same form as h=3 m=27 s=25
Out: h=3 m=39 s=31
